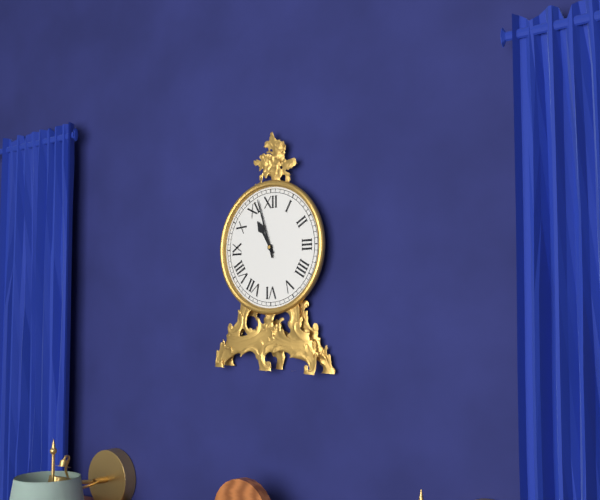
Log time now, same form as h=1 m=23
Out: h=10 m=57
